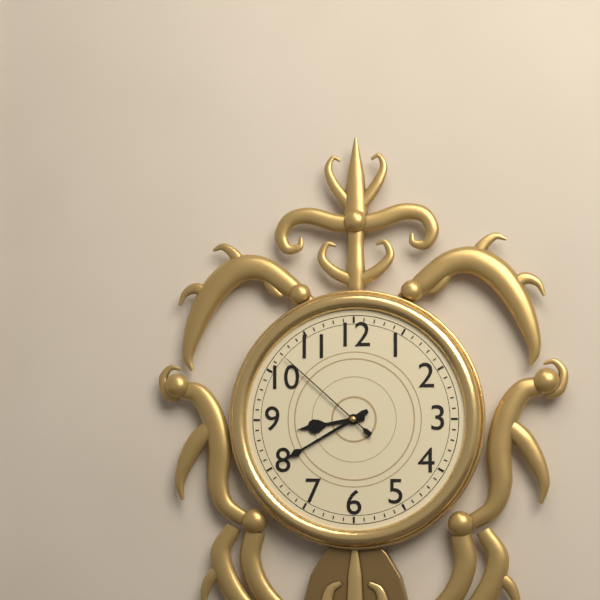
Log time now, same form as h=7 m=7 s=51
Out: h=8 m=40 s=52
